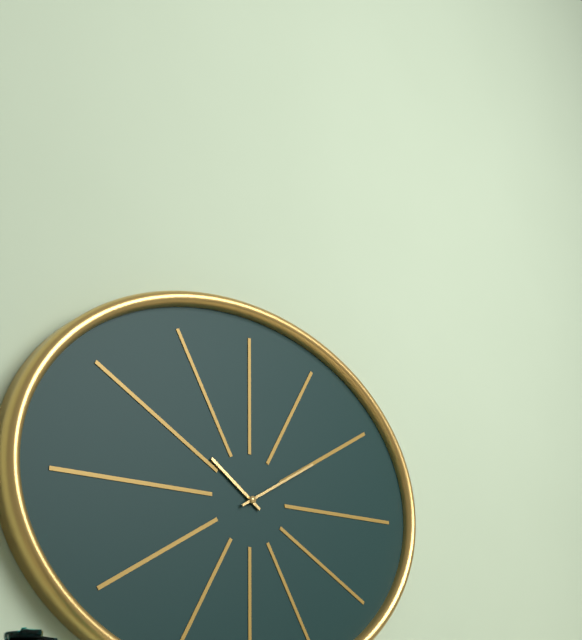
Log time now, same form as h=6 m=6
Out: h=10 m=10
